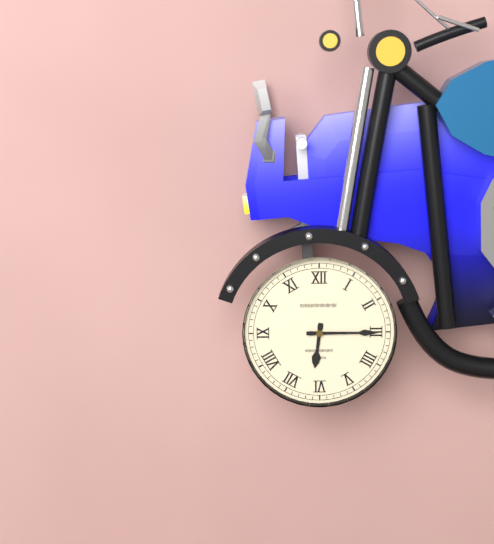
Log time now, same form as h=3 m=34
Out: h=6 m=15
